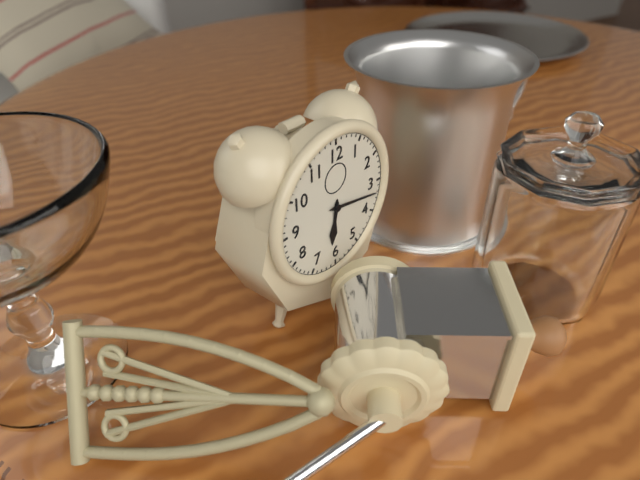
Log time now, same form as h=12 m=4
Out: h=6 m=17
